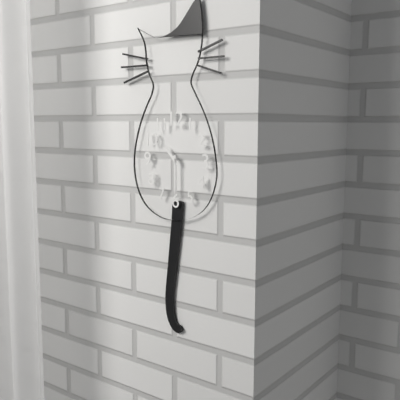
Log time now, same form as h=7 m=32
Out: h=10 m=30
